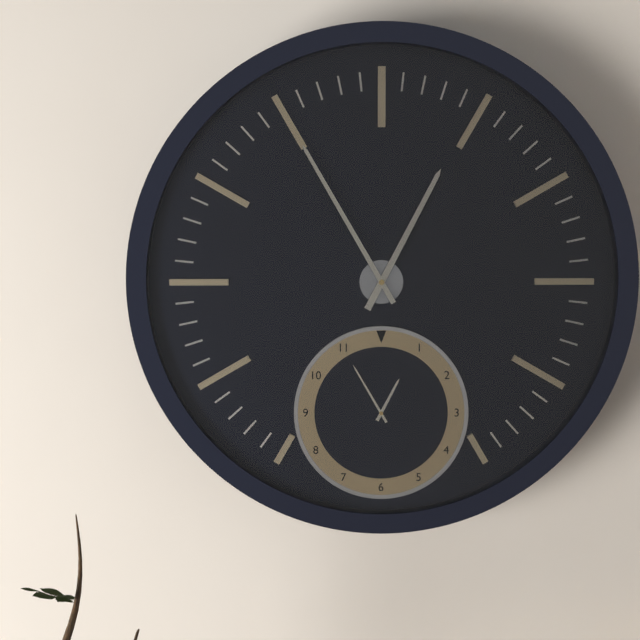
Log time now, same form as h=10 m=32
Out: h=12 m=55
